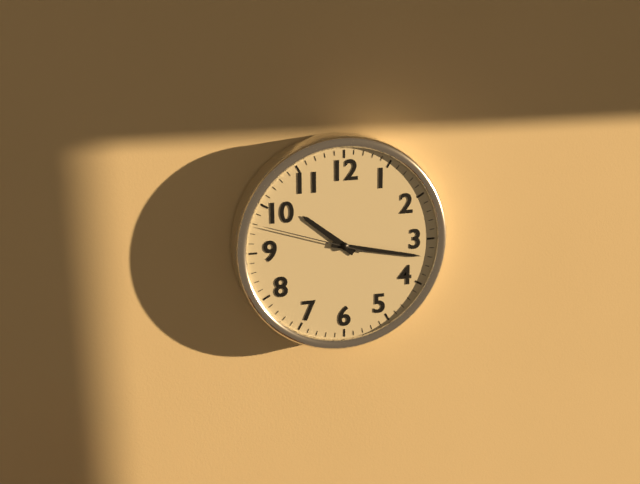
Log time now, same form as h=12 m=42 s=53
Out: h=10 m=17 s=48
